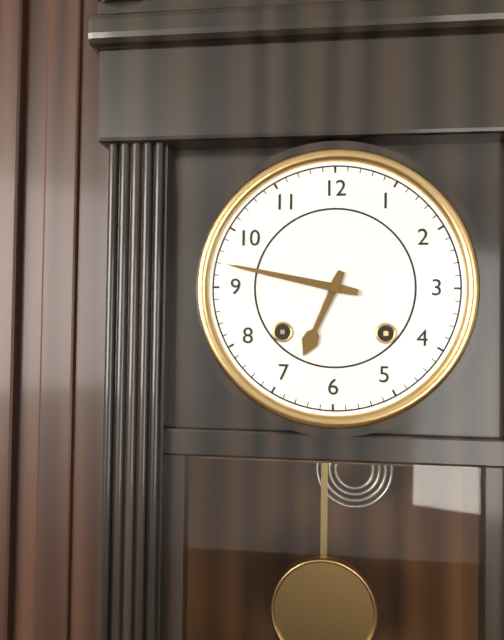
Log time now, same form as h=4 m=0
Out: h=6 m=47
